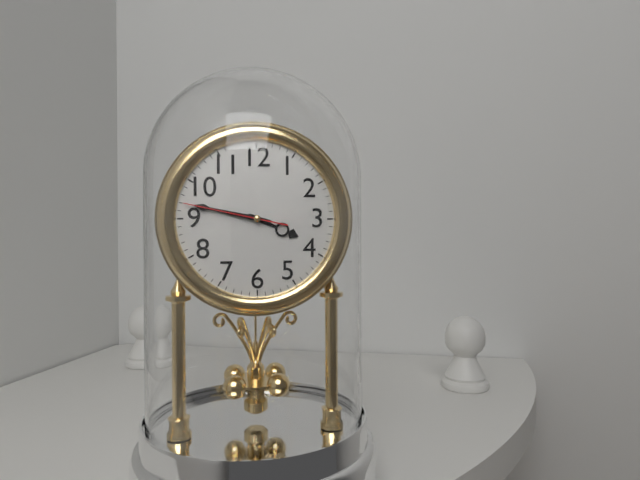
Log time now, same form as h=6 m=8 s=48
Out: h=3 m=47 s=47
